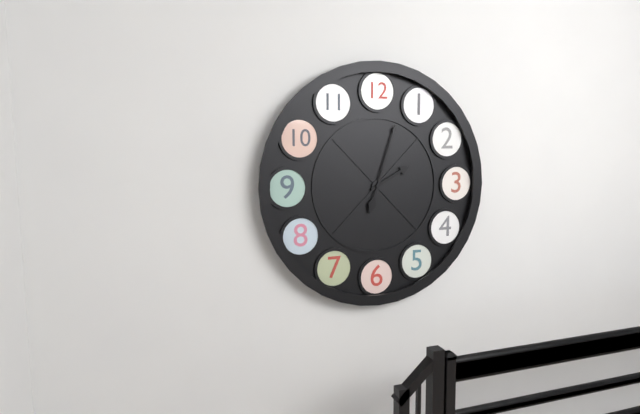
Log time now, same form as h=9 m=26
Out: h=2 m=3
